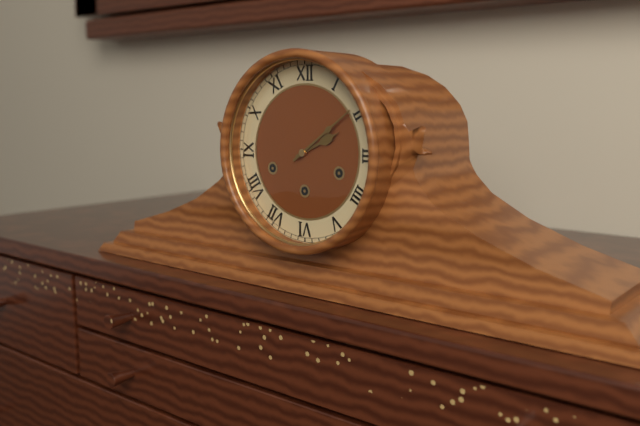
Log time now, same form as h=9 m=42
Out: h=2 m=9
